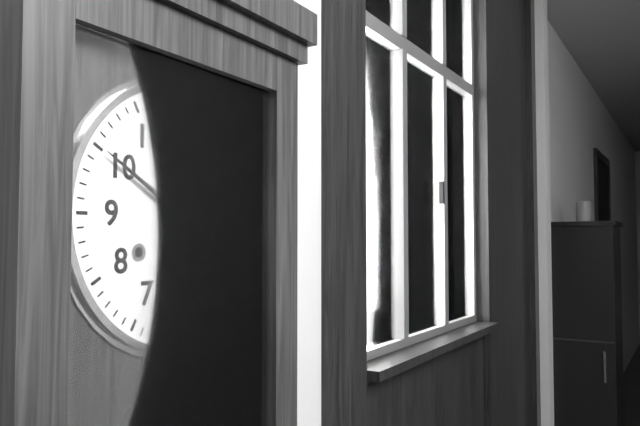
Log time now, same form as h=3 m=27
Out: h=11 m=50
